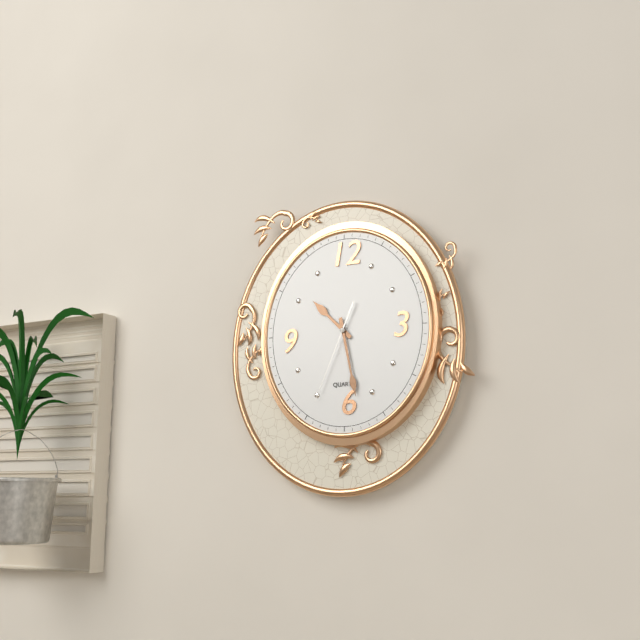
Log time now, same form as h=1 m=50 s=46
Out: h=10 m=28 s=34
